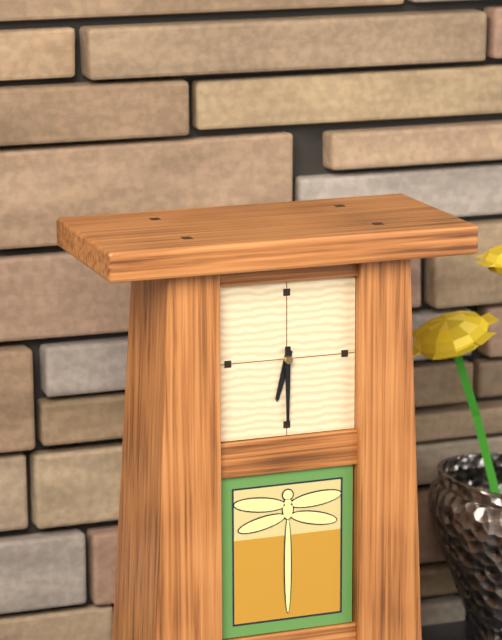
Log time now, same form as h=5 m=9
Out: h=6 m=30
